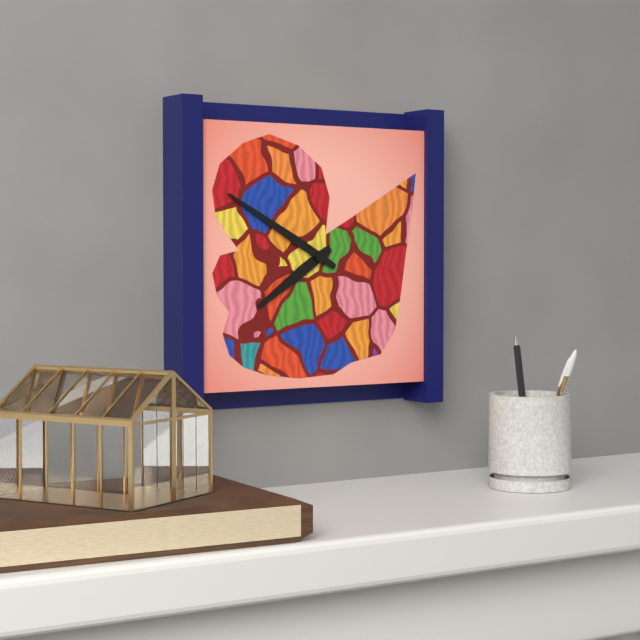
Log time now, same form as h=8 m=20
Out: h=7 m=50
